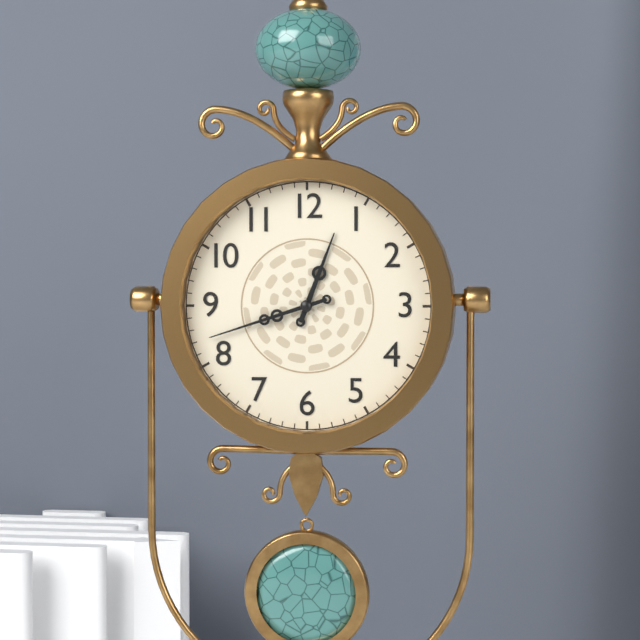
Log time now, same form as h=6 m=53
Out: h=12 m=42
